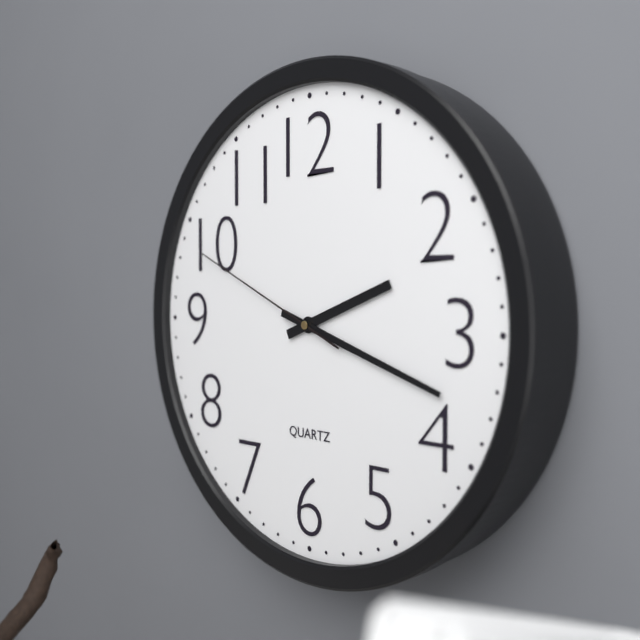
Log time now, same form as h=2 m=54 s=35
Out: h=2 m=18 s=49
